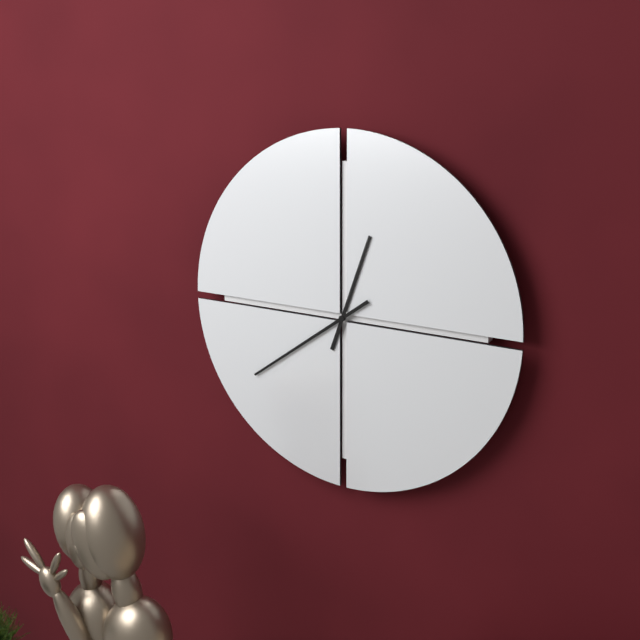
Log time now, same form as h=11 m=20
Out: h=12 m=39
